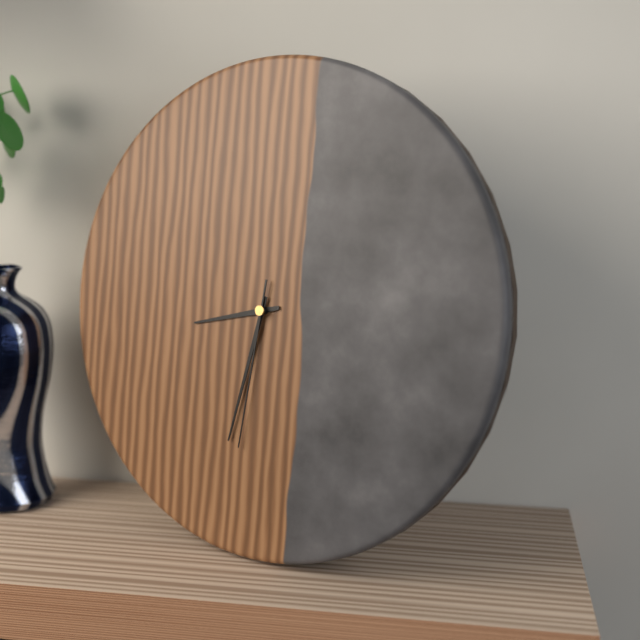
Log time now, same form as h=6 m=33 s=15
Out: h=8 m=32 s=31
